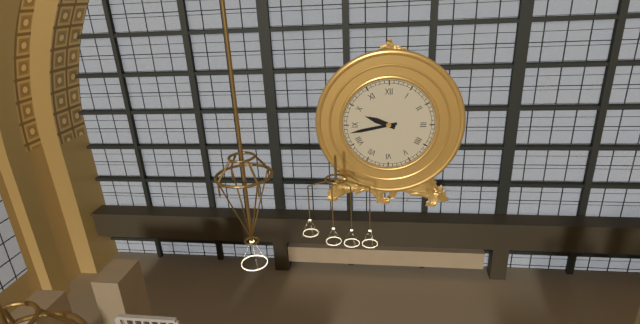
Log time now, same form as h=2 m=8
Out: h=9 m=43
